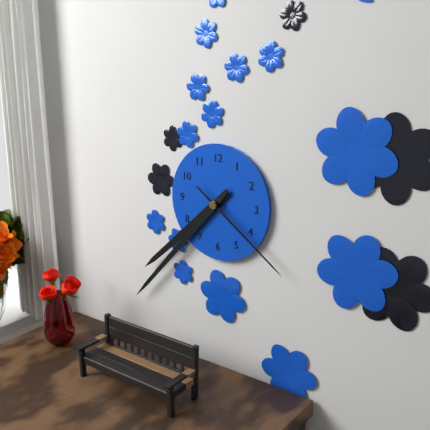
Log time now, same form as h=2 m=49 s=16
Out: h=7 m=37 s=21
